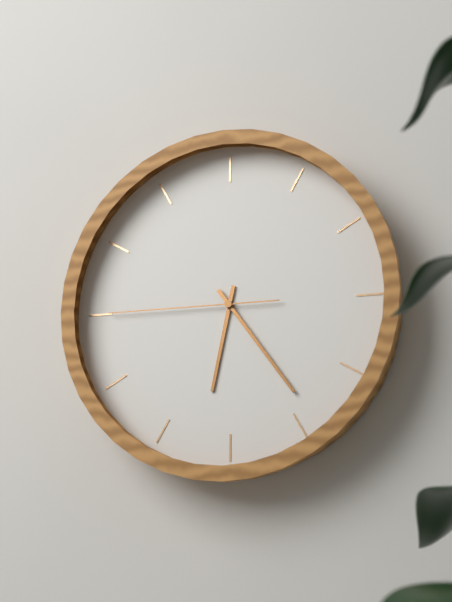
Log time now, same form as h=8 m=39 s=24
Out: h=6 m=24 s=45
